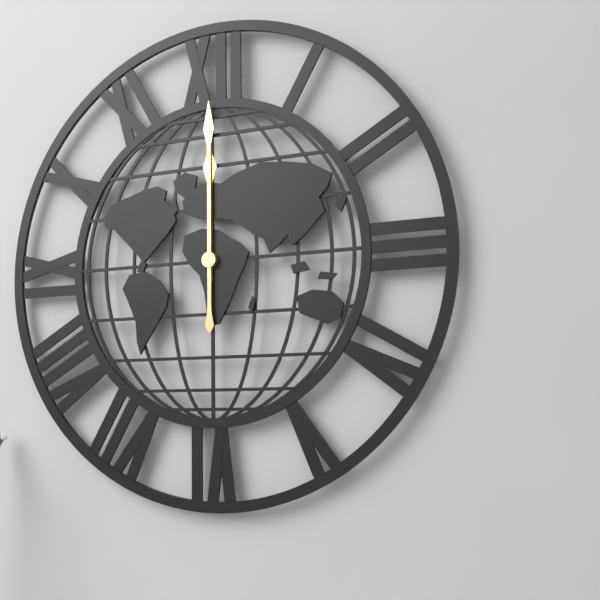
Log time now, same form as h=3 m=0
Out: h=12 m=0
